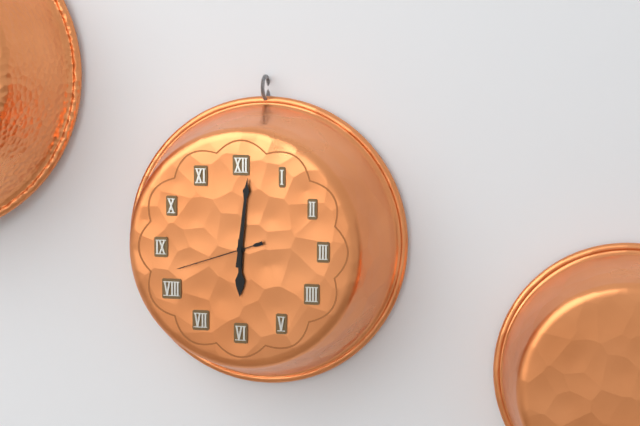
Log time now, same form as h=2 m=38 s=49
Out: h=6 m=1 s=42
